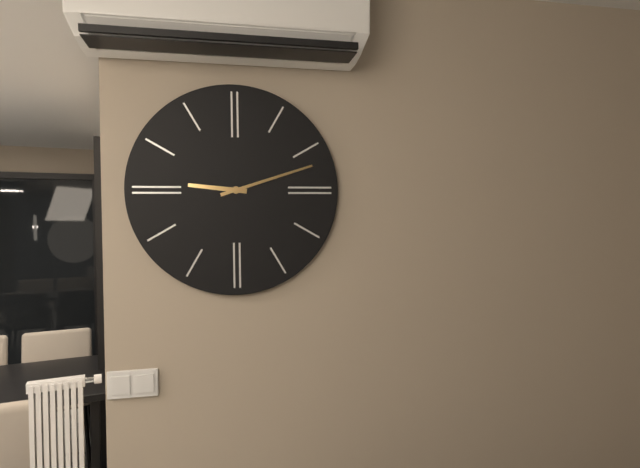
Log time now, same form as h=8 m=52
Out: h=9 m=12
